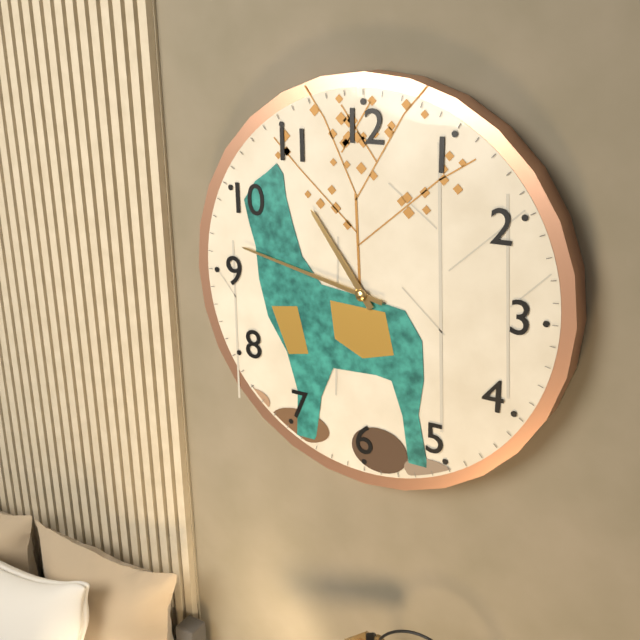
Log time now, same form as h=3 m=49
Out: h=10 m=47
